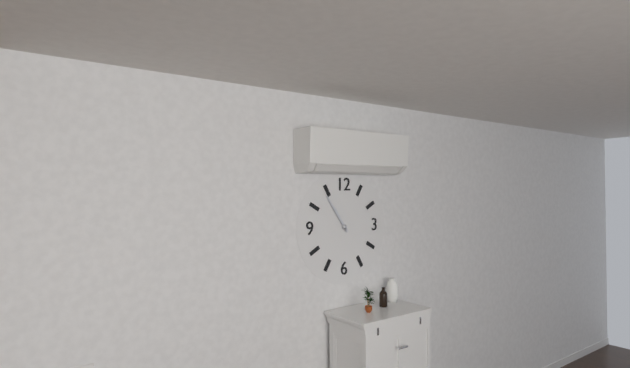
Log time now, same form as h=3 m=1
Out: h=10 m=54
